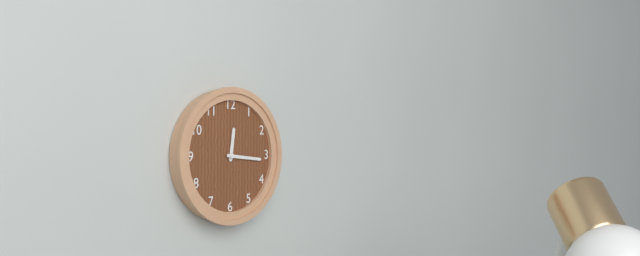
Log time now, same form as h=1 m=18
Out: h=12 m=16
